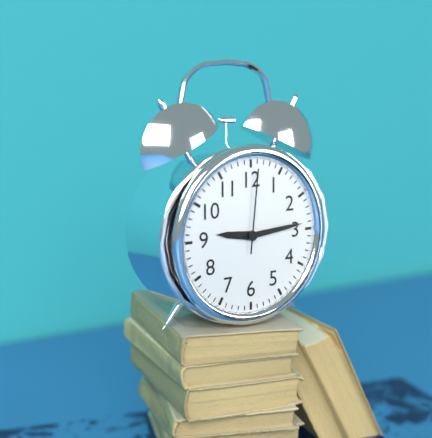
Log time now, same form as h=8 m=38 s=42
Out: h=9 m=14 s=1
